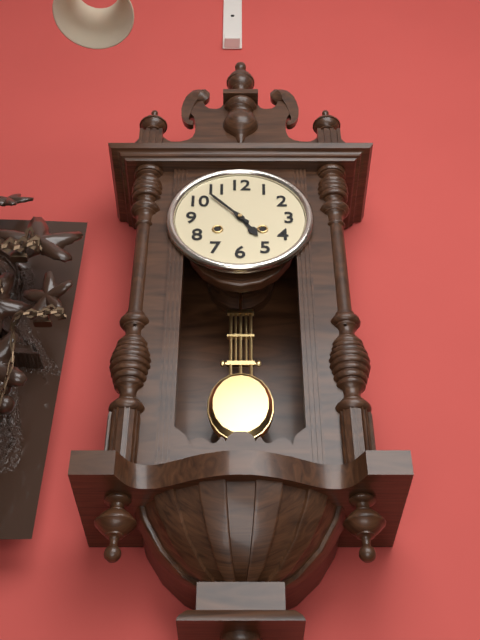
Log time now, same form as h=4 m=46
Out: h=4 m=53
